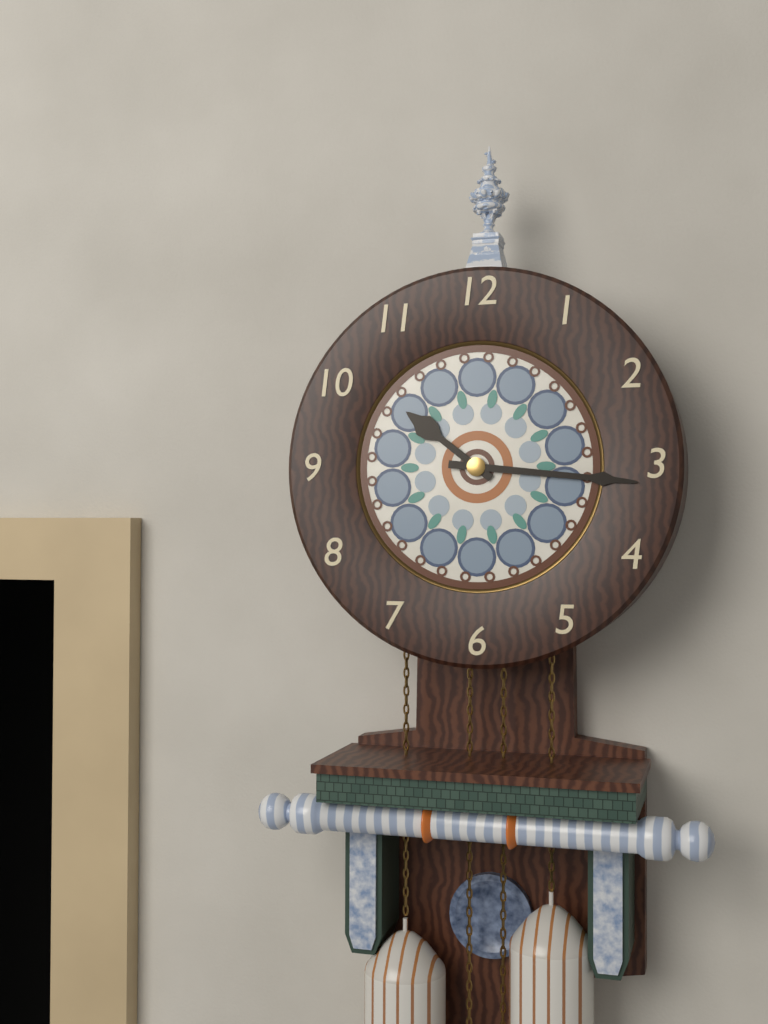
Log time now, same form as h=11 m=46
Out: h=10 m=16
